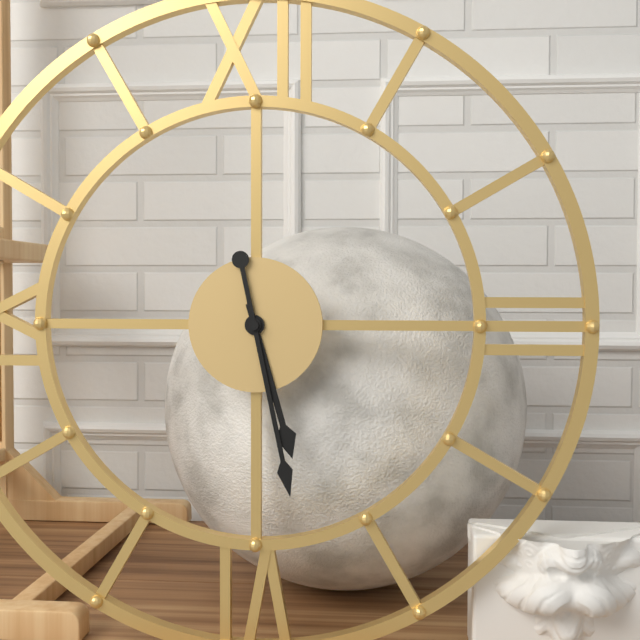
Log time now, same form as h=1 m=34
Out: h=5 m=28
